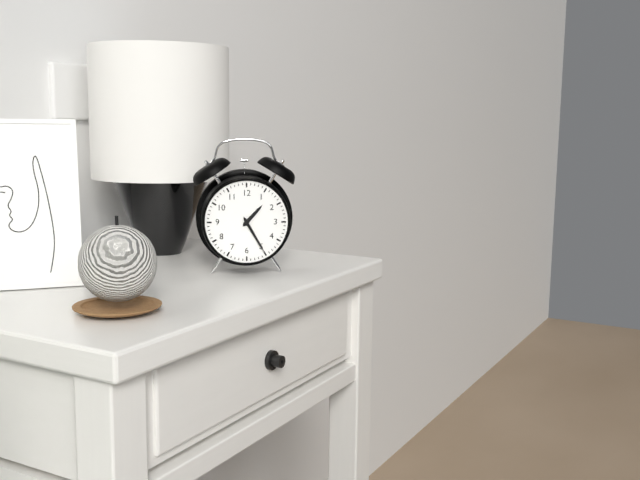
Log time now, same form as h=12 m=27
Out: h=1 m=25
